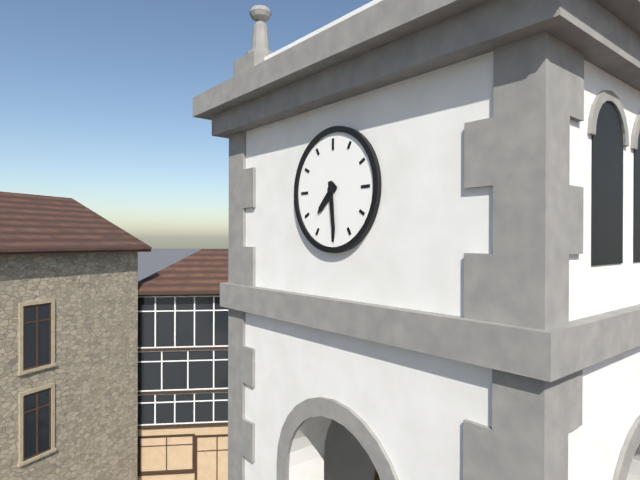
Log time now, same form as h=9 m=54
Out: h=7 m=29
